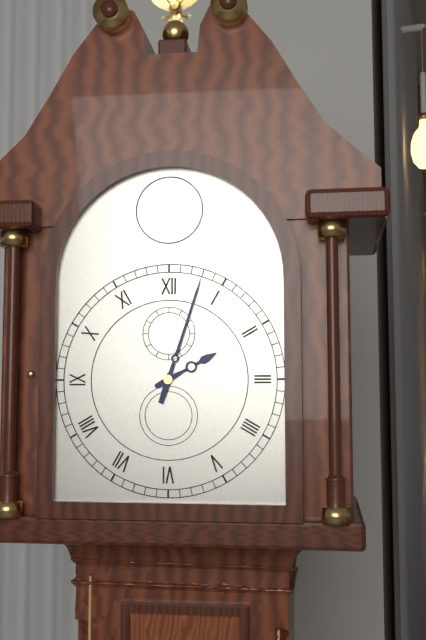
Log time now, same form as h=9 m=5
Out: h=2 m=3
